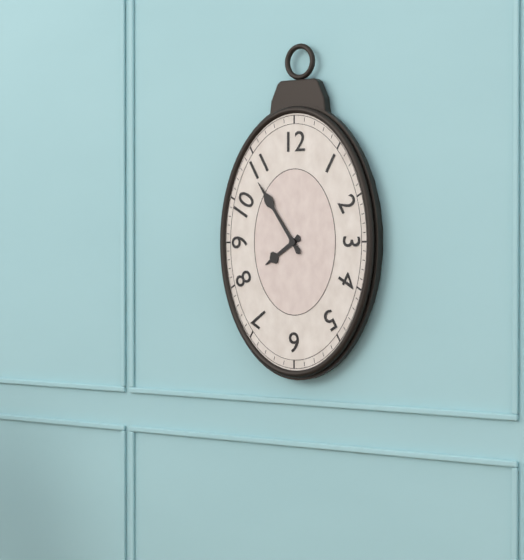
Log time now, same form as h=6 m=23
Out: h=7 m=54
